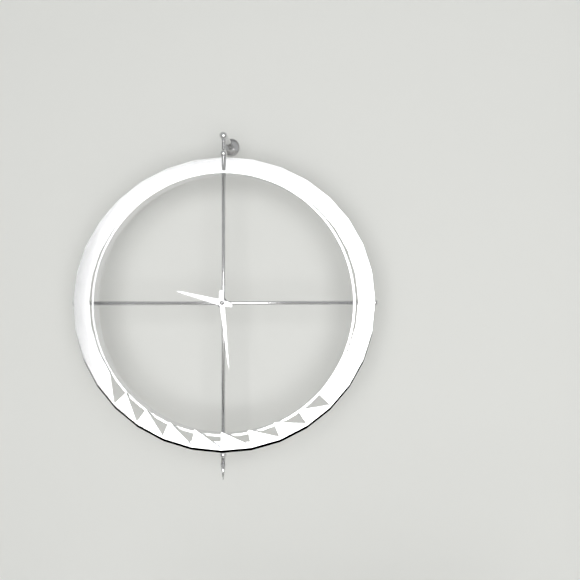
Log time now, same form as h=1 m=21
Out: h=9 m=29
